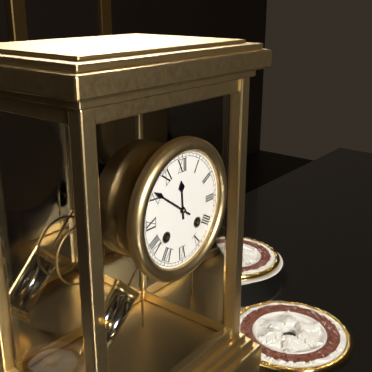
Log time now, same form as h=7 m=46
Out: h=11 m=51
